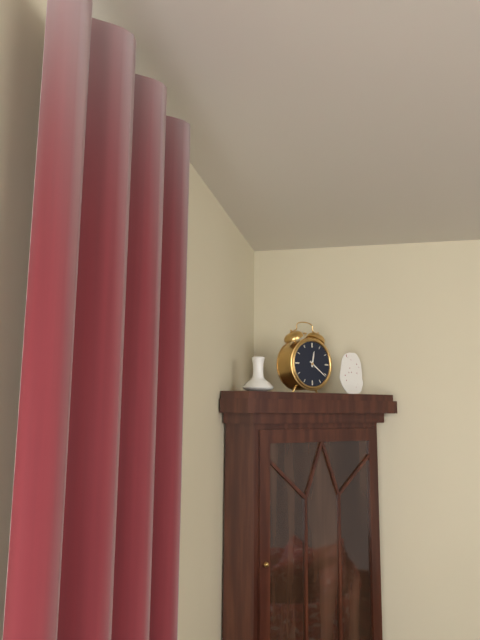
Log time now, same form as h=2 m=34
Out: h=12 m=21
